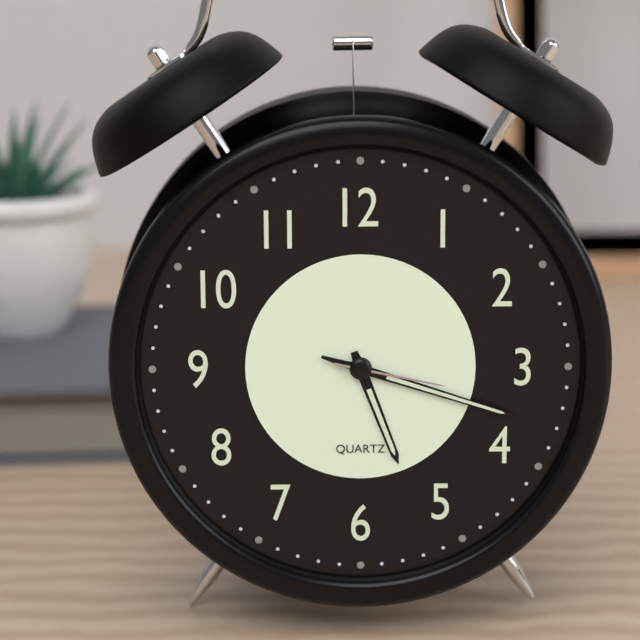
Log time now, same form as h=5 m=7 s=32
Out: h=5 m=18 s=17
